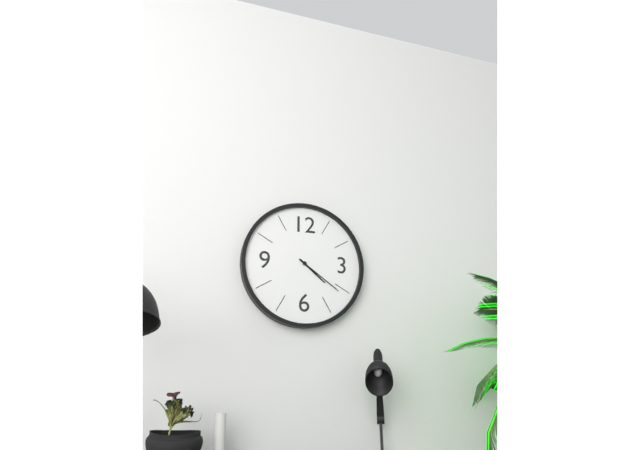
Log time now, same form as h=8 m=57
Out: h=4 m=21
